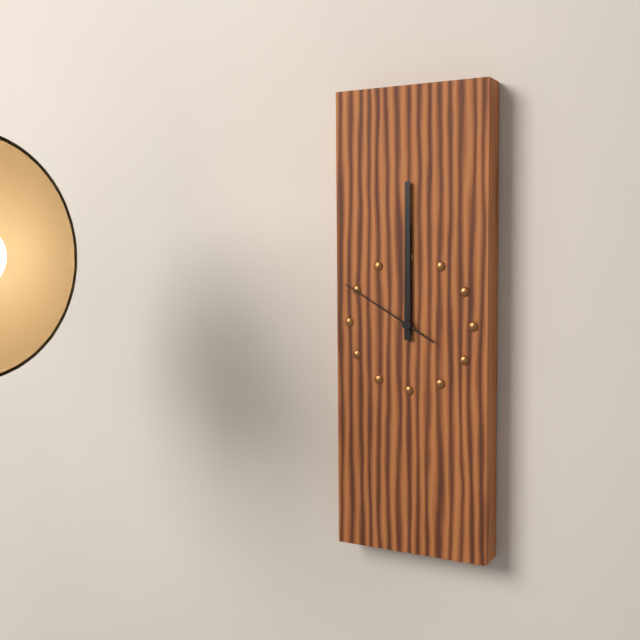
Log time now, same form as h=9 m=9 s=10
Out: h=12 m=0 s=50
